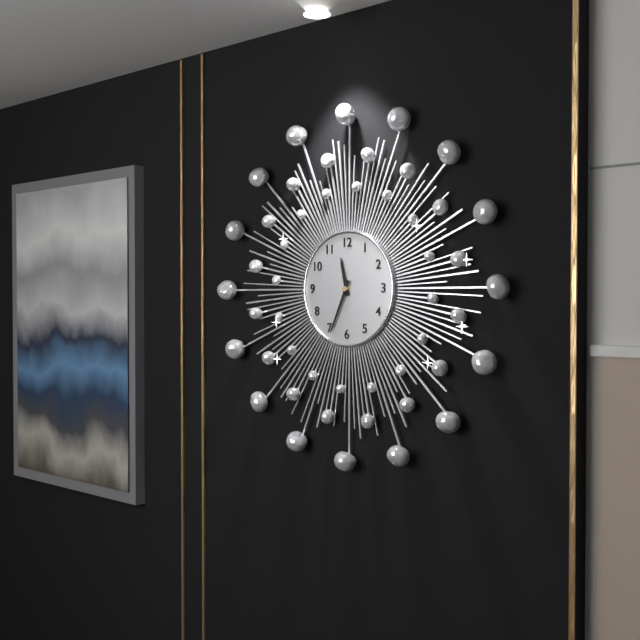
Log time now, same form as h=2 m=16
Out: h=11 m=34
